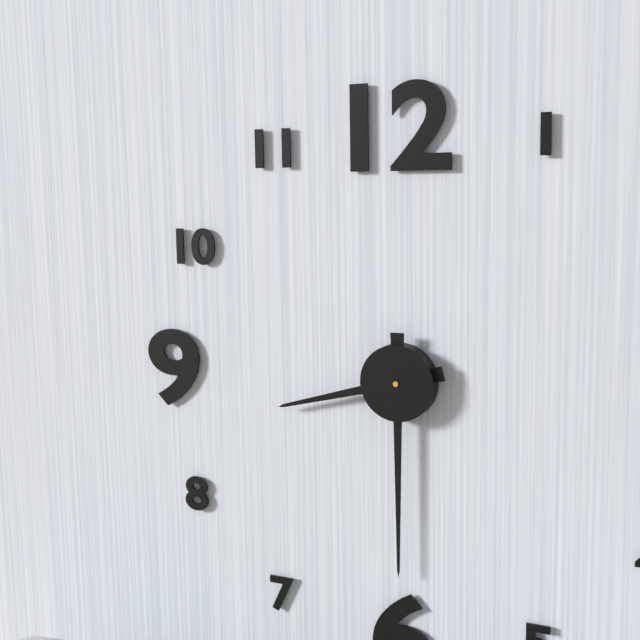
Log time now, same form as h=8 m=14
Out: h=8 m=30
